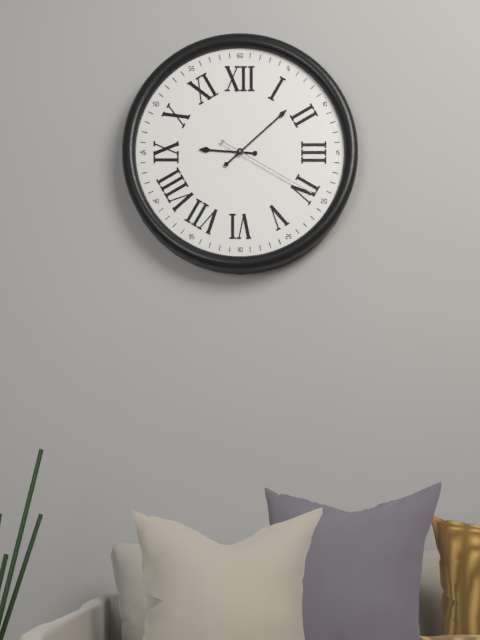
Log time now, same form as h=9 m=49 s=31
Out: h=9 m=8 s=20
